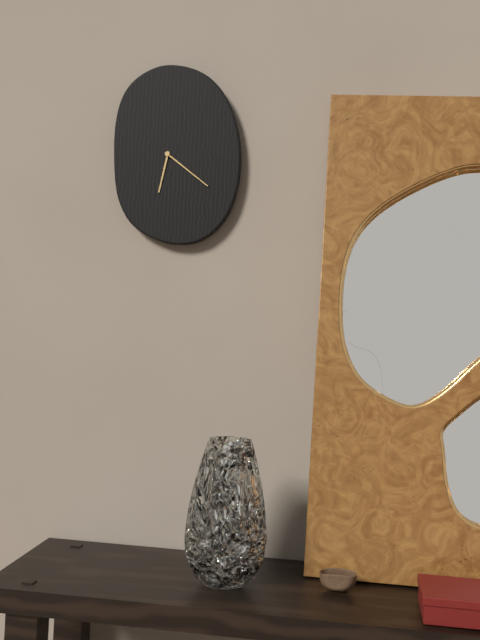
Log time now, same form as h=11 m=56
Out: h=6 m=21
